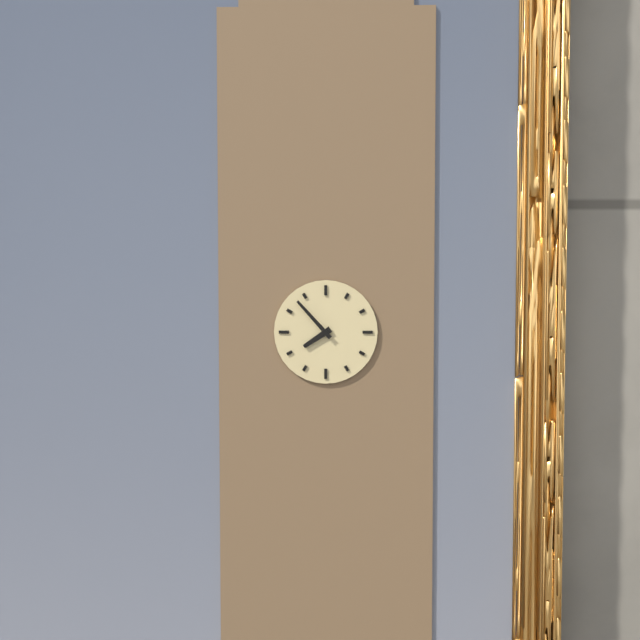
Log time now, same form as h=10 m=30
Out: h=7 m=53
